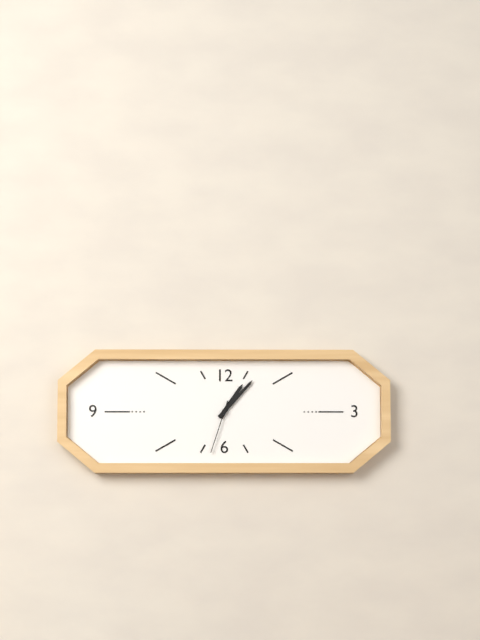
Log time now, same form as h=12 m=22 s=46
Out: h=1 m=7 s=33
